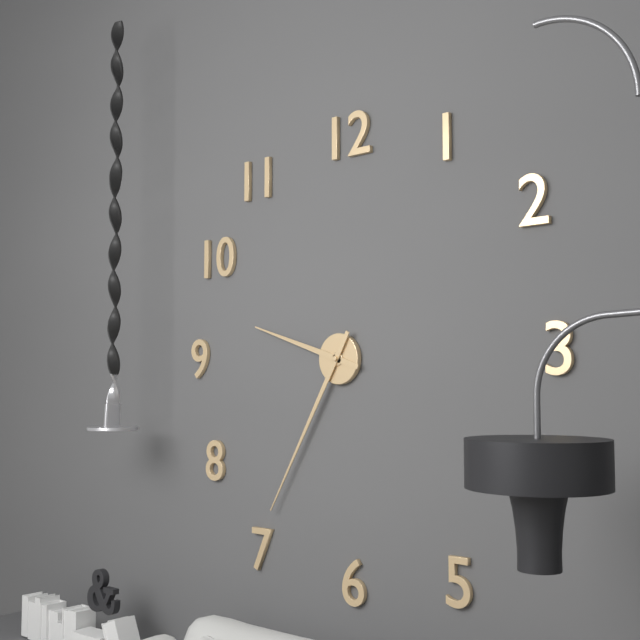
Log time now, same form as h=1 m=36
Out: h=9 m=35
